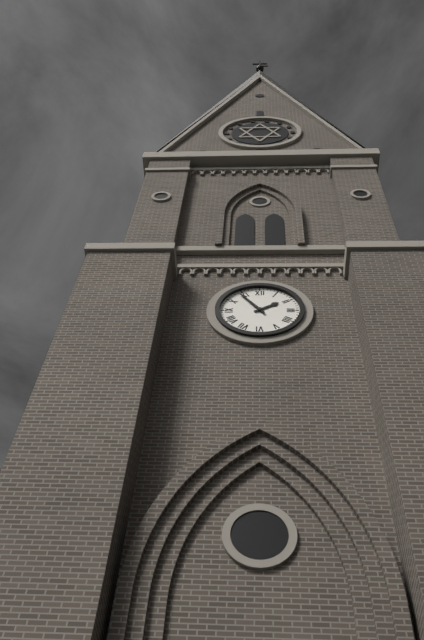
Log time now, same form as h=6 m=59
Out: h=1 m=54
